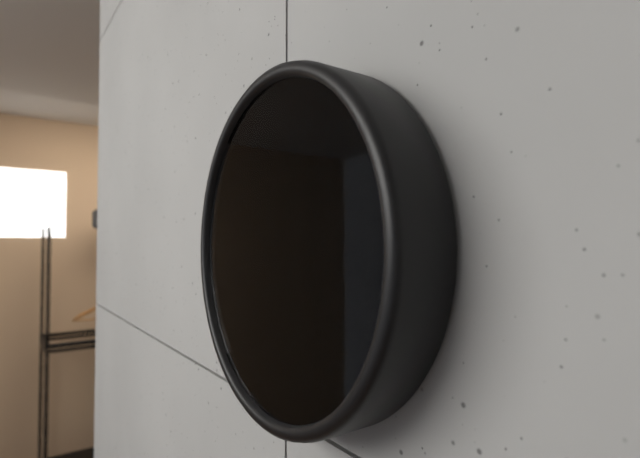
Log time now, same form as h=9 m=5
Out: h=2 m=24
